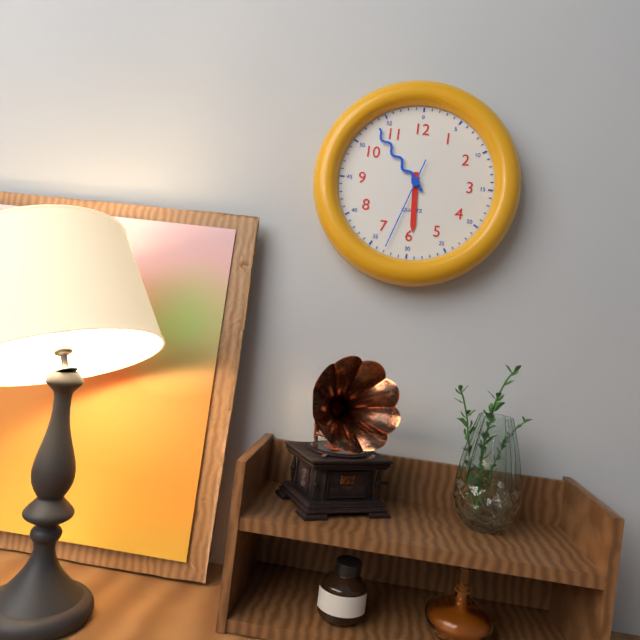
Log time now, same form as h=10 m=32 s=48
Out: h=5 m=53 s=33
